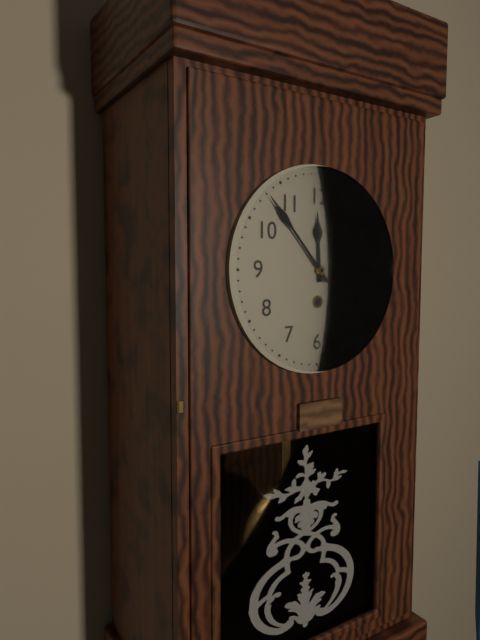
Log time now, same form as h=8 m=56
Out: h=11 m=53
